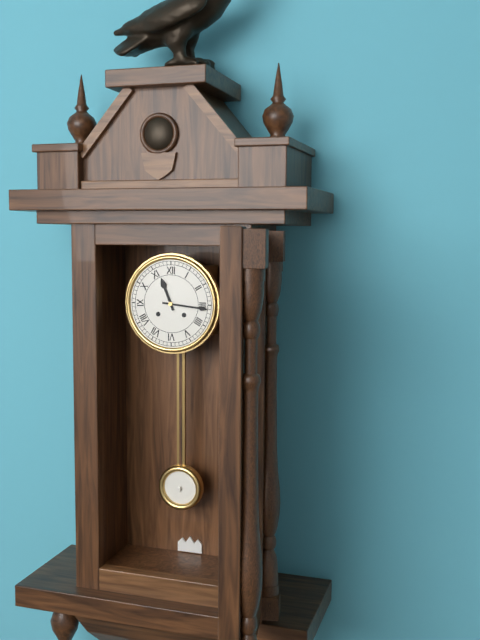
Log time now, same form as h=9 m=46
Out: h=11 m=16
